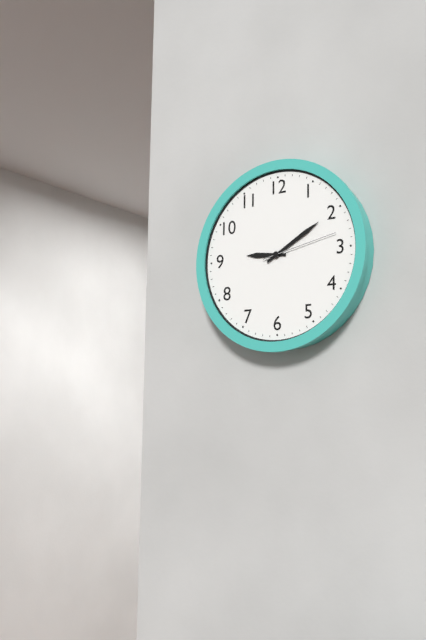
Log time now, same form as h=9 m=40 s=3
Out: h=9 m=10 s=13
